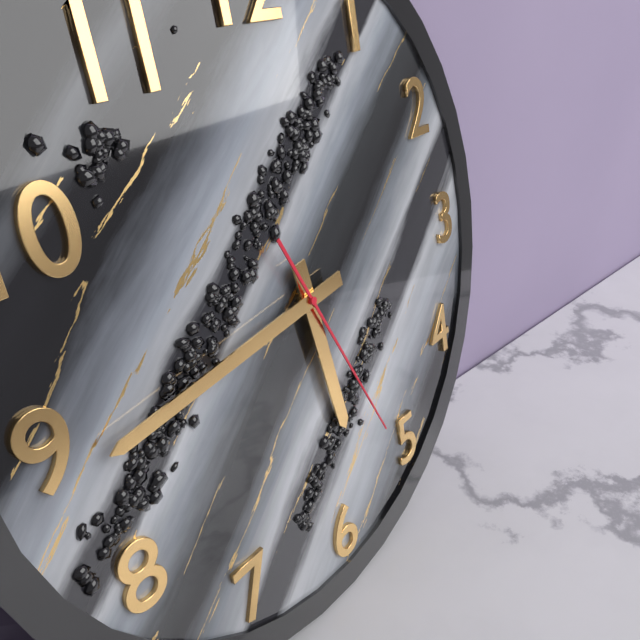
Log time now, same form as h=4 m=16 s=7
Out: h=5 m=44 s=26
